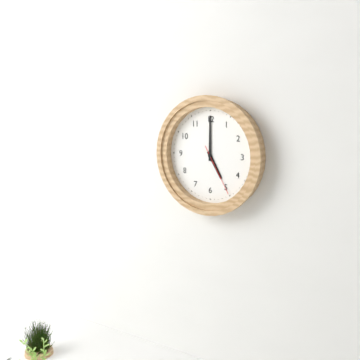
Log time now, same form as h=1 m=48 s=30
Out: h=5 m=0 s=25
